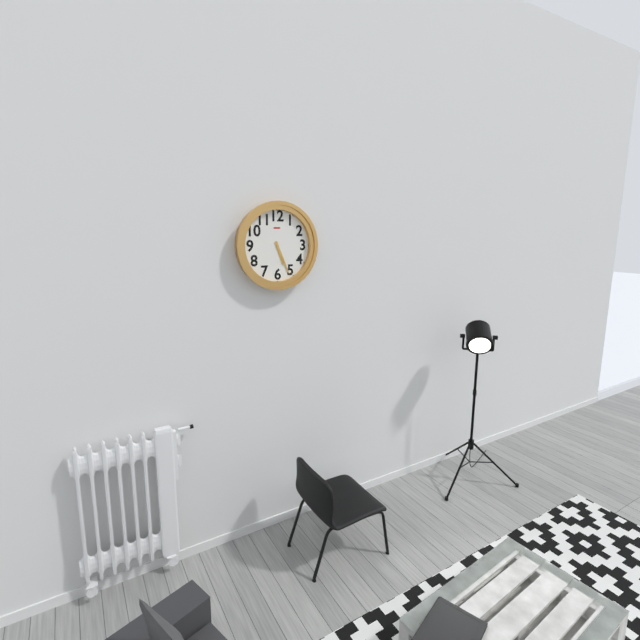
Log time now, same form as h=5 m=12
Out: h=5 m=26
